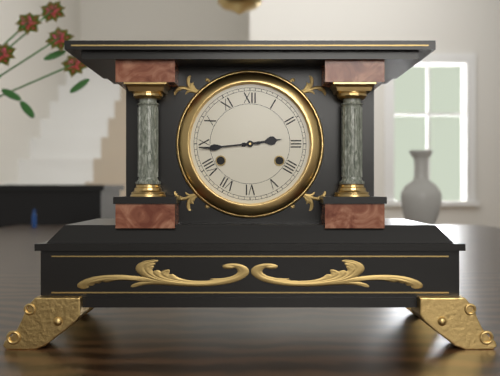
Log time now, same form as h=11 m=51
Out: h=2 m=44
